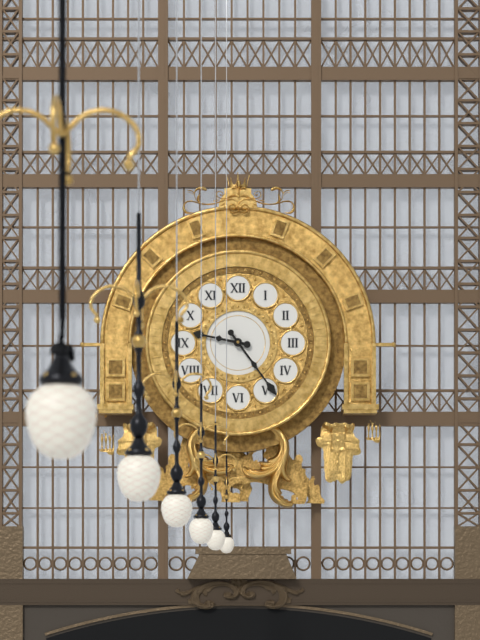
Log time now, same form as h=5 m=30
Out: h=9 m=24
